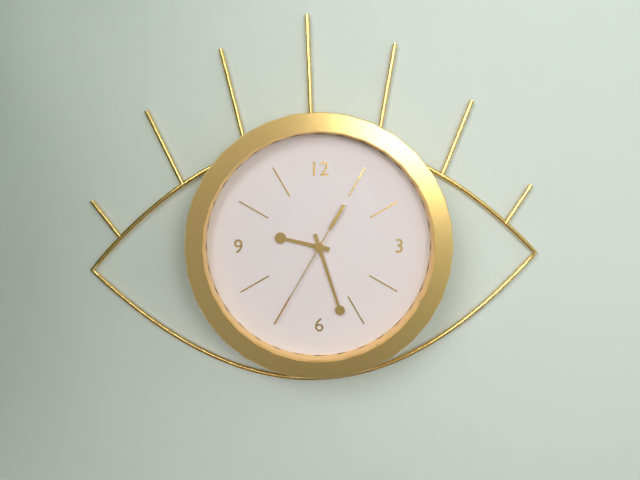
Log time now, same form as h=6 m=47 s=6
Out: h=9 m=27 s=35
